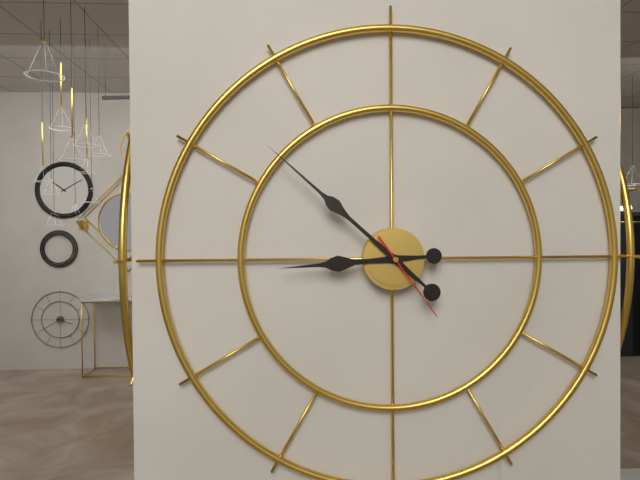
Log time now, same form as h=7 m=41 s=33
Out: h=8 m=52 s=24
